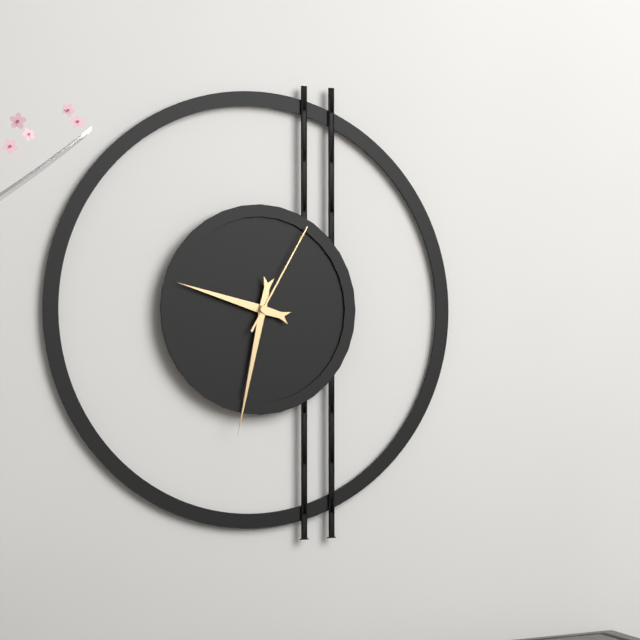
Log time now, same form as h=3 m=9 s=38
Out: h=9 m=32 s=5
